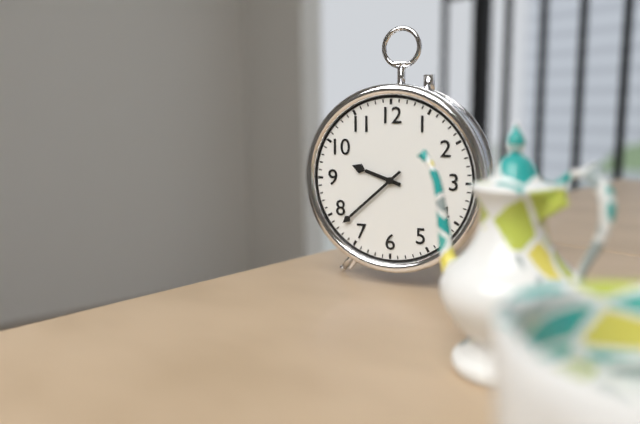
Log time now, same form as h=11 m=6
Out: h=9 m=38
